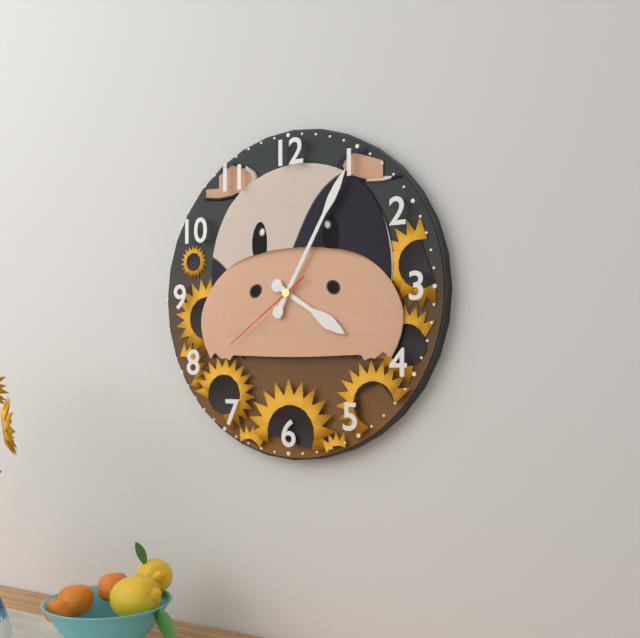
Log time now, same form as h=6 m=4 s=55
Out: h=4 m=5 s=39
